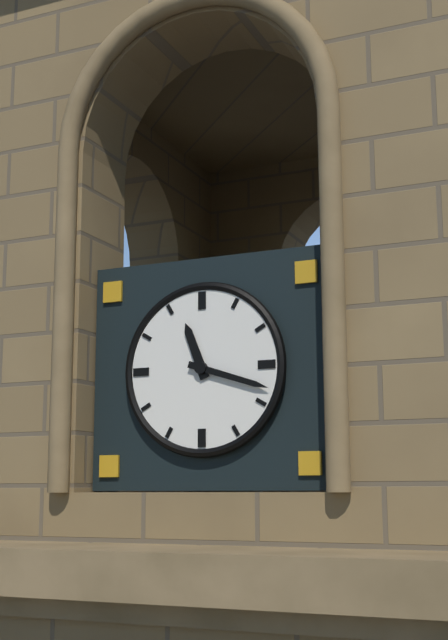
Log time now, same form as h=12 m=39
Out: h=11 m=18
